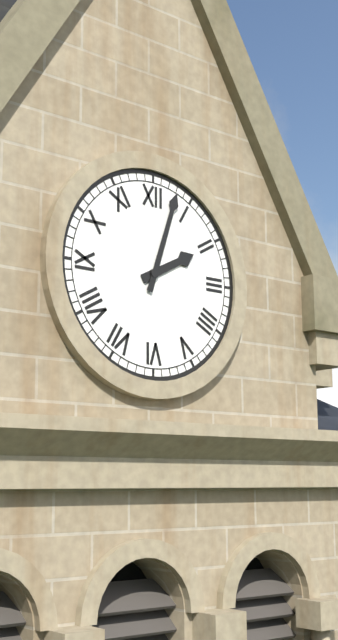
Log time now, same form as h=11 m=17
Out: h=2 m=3
